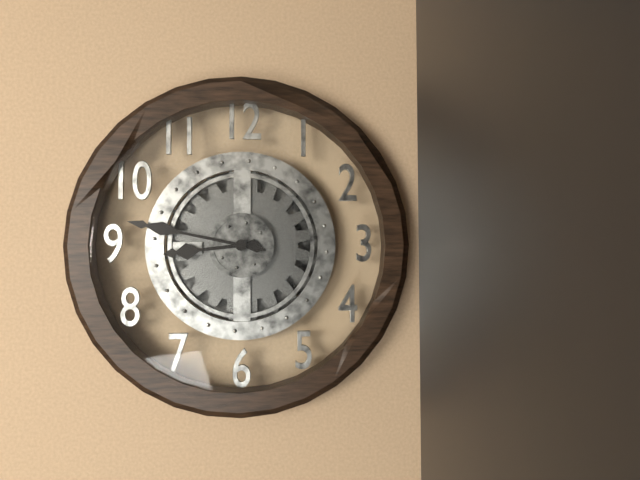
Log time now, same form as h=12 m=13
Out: h=8 m=47
